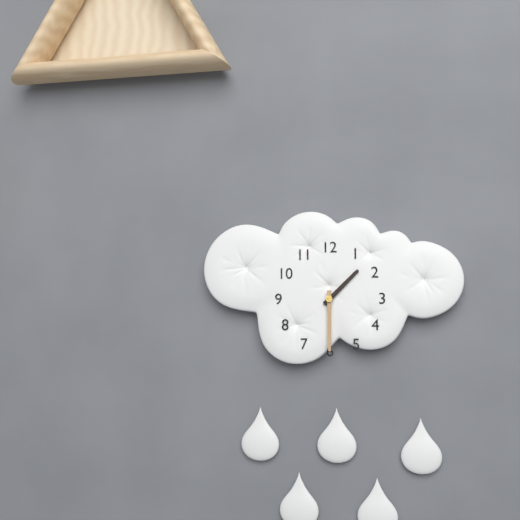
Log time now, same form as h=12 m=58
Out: h=1 m=30
